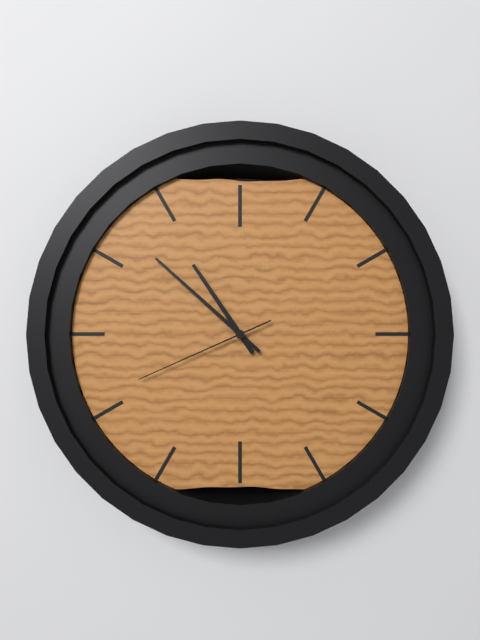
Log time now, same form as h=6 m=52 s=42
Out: h=10 m=52 s=41
